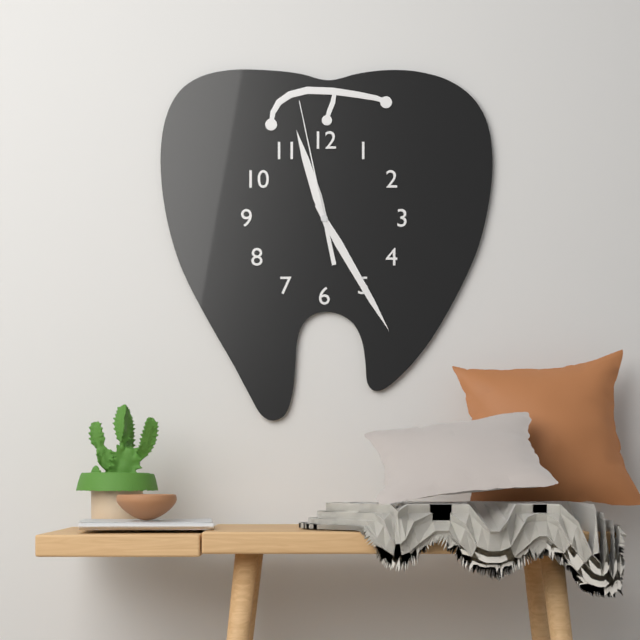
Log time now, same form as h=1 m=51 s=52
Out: h=11 m=25 s=58
